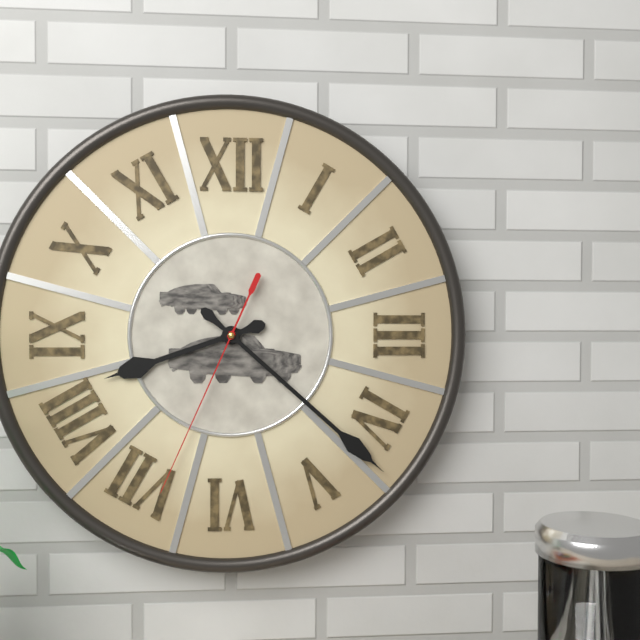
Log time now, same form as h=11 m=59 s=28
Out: h=8 m=22 s=34
